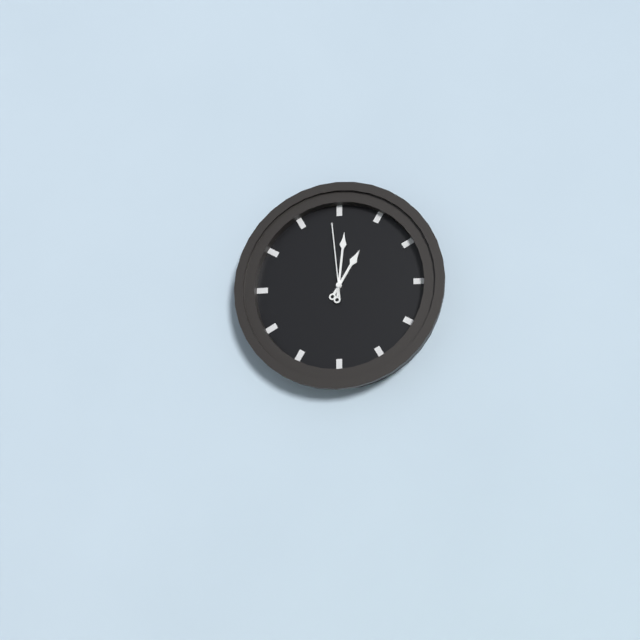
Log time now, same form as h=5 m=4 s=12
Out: h=1 m=1 s=59
